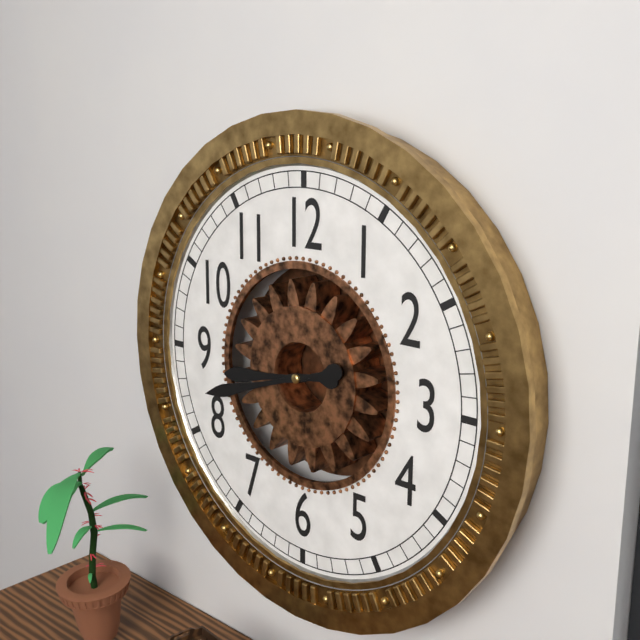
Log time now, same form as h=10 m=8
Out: h=8 m=42
